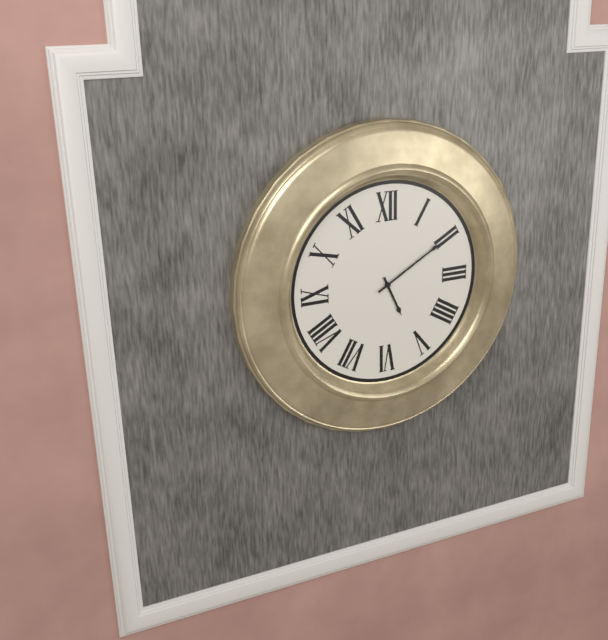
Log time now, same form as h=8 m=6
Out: h=5 m=10
